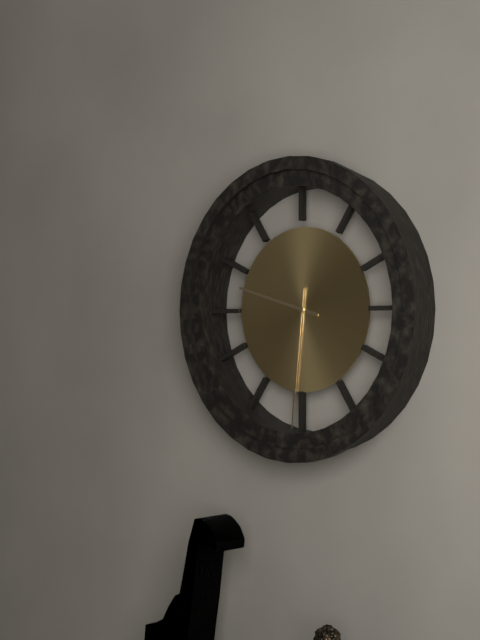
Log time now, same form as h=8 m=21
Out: h=9 m=31
